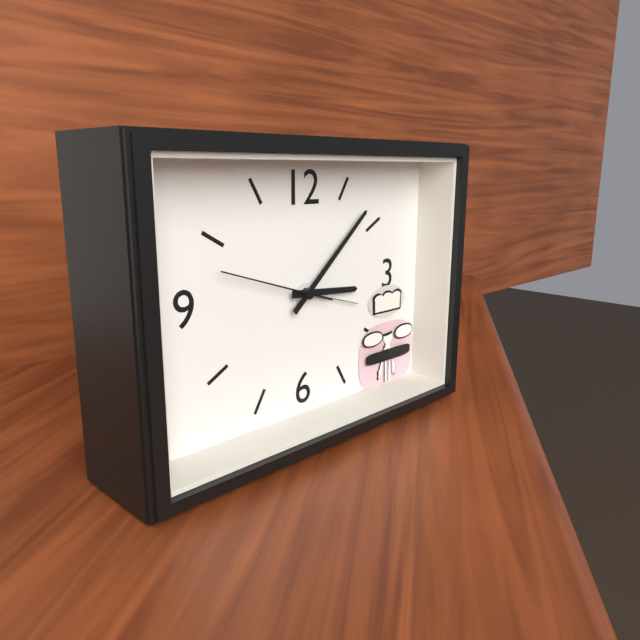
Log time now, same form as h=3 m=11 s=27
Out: h=3 m=8 s=48
